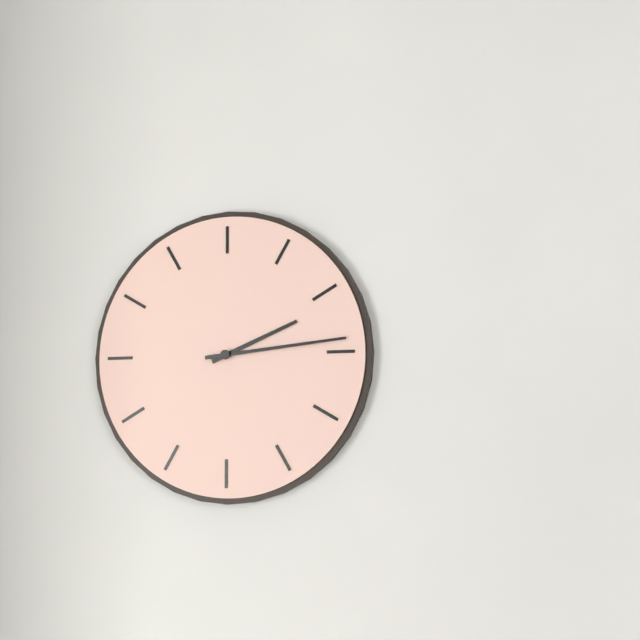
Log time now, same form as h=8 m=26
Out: h=2 m=14
